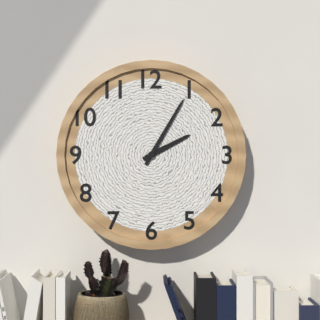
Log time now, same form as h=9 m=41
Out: h=2 m=5
